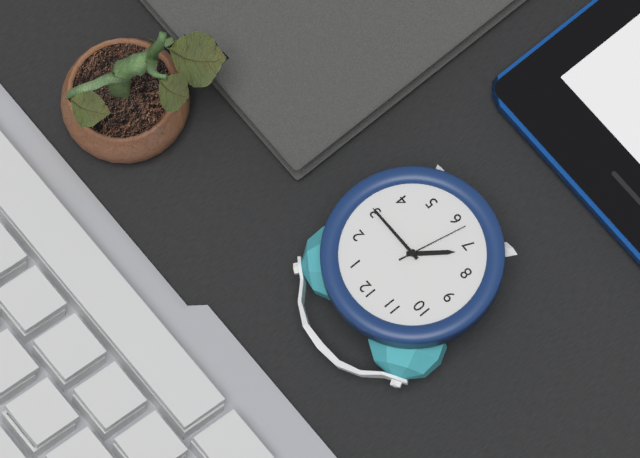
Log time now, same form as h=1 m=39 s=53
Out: h=7 m=15 s=32
